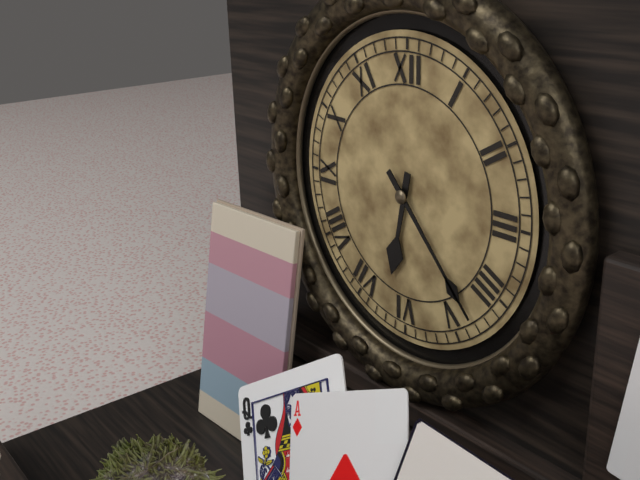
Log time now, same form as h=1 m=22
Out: h=6 m=23
